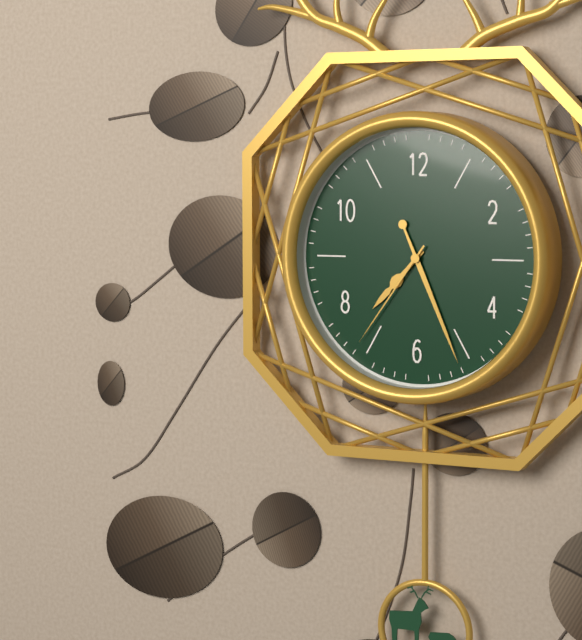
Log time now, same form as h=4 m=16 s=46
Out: h=7 m=26 s=36
